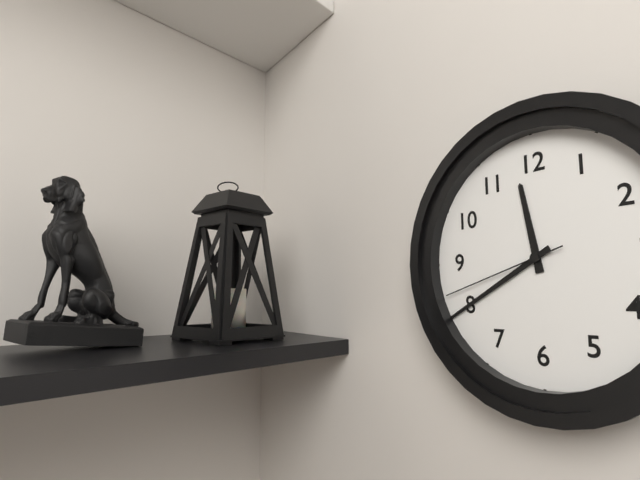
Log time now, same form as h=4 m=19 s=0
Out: h=11 m=40 s=42
